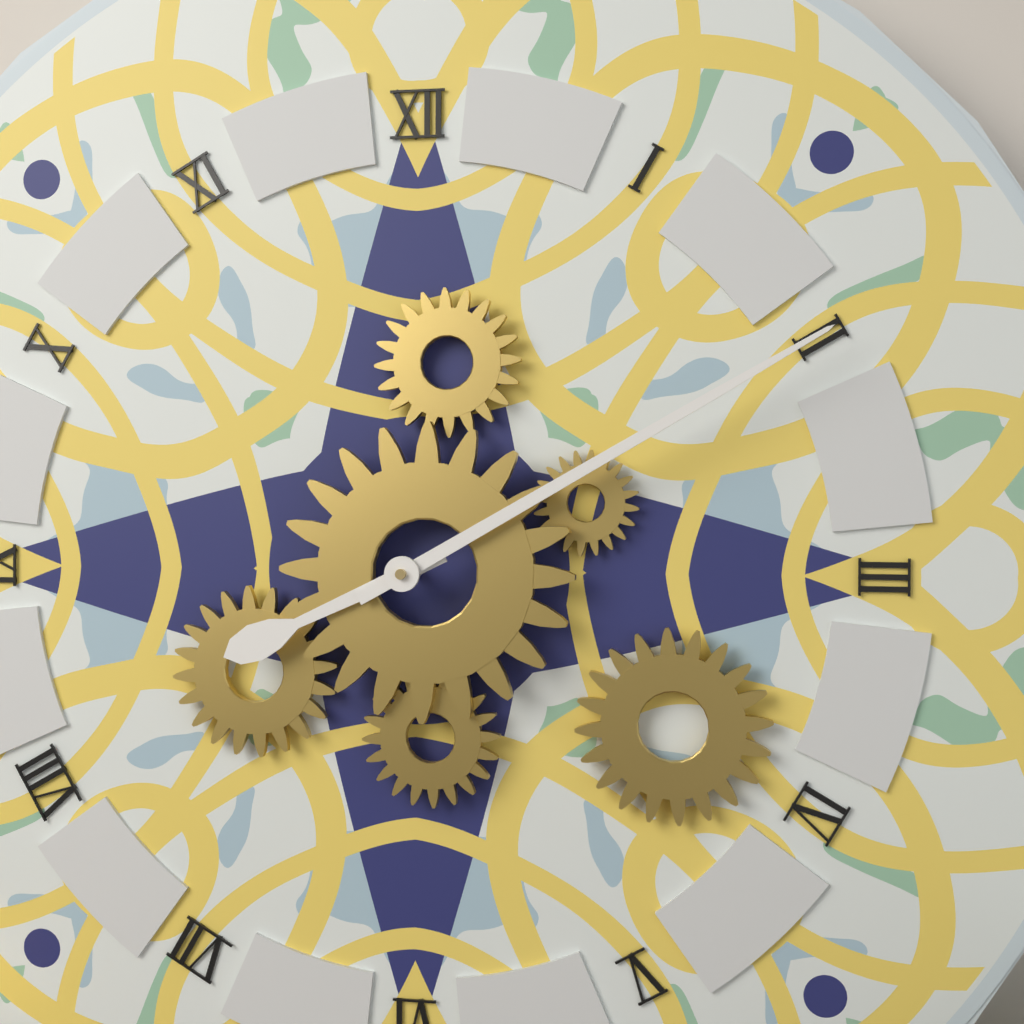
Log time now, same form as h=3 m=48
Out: h=8 m=10
